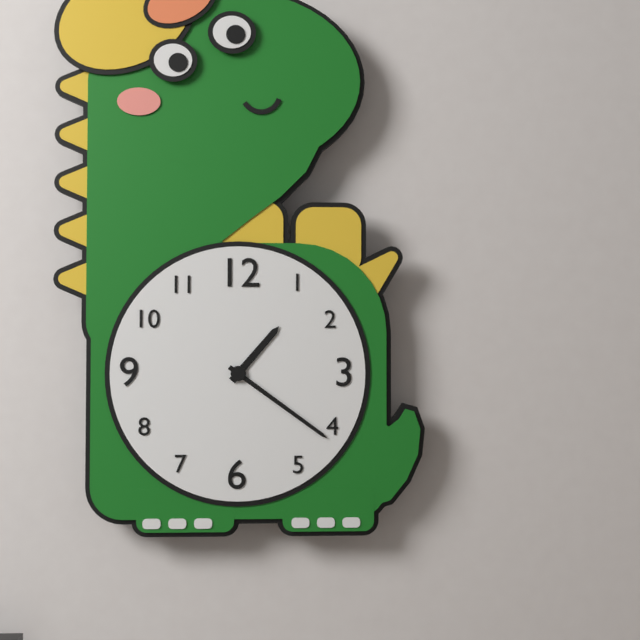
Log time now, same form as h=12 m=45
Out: h=1 m=21
